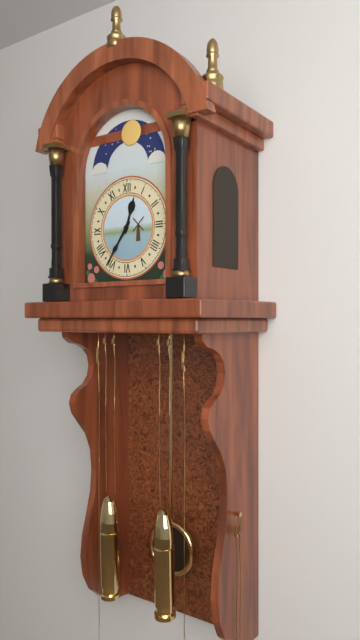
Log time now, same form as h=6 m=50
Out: h=12 m=36
